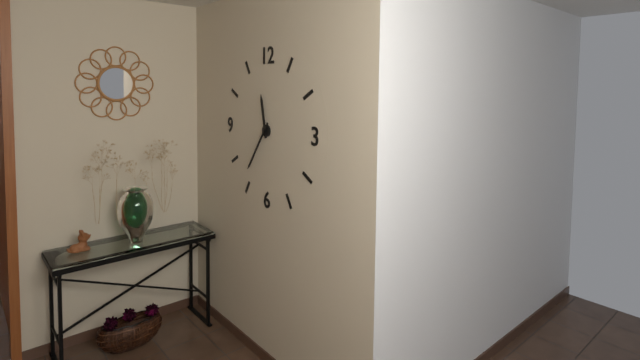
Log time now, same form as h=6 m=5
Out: h=11 m=36
